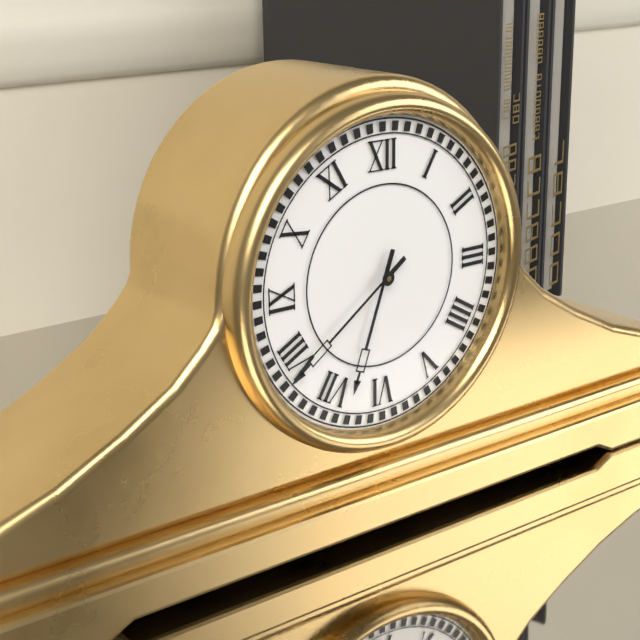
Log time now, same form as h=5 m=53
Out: h=6 m=39
